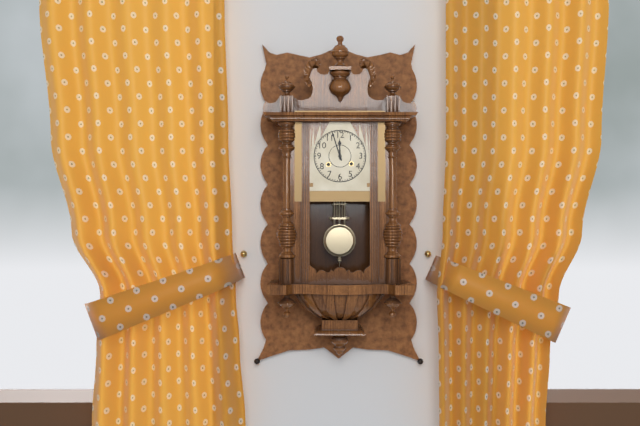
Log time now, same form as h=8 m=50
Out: h=11 m=57
